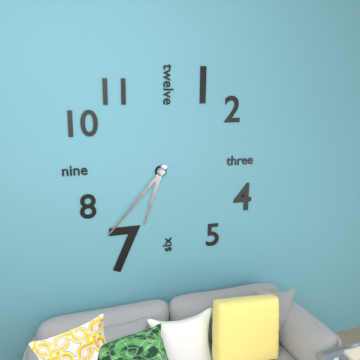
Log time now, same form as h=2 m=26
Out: h=6 m=37
